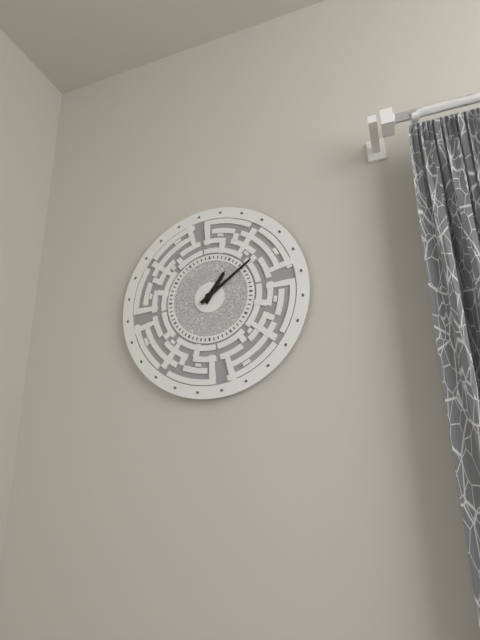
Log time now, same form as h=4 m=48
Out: h=1 m=9
